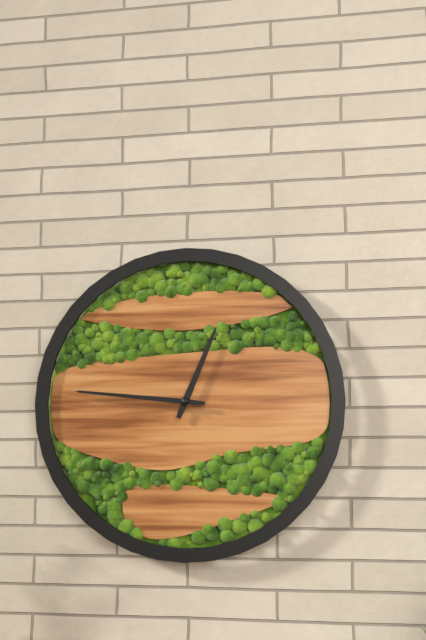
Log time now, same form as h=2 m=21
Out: h=12 m=46
